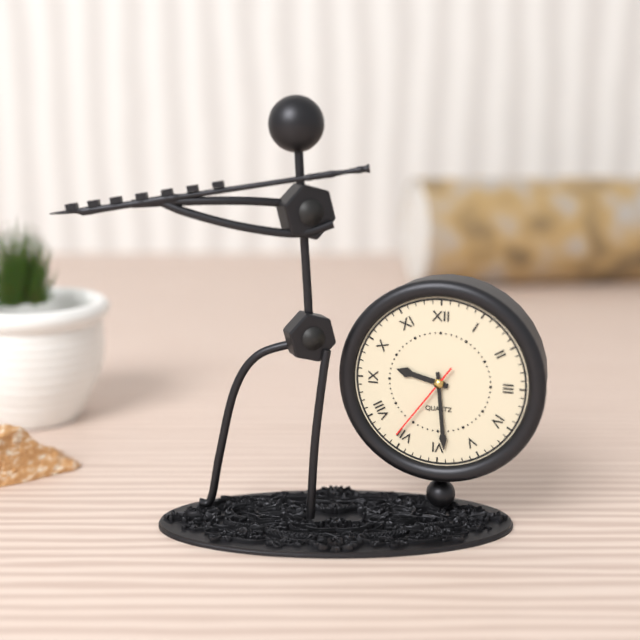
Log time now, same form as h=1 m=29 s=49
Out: h=9 m=29 s=36
